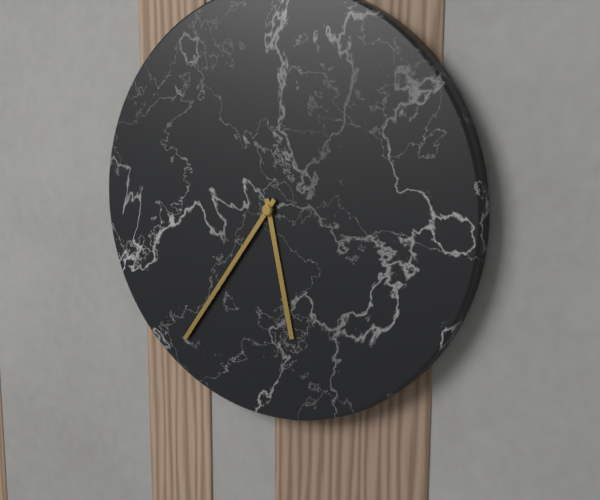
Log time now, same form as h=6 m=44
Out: h=5 m=36
